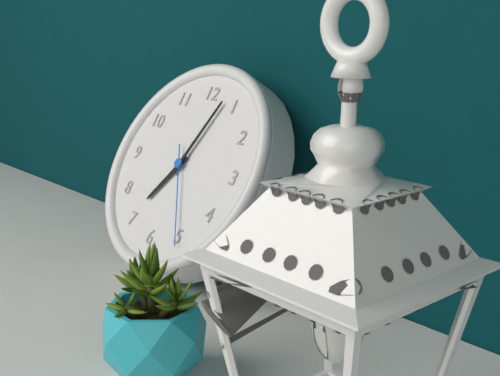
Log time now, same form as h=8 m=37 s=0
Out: h=7 m=3 s=25
